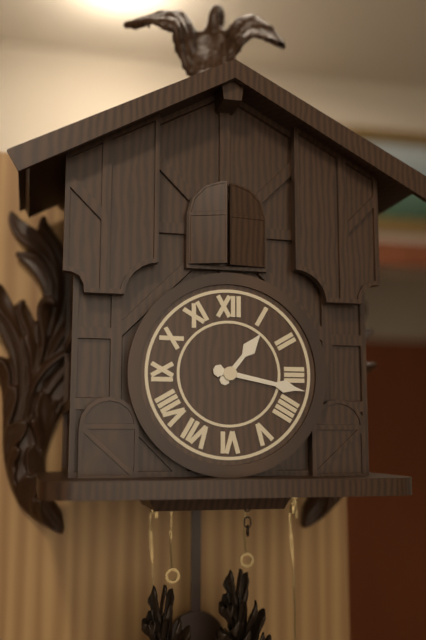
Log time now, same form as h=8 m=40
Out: h=1 m=17
